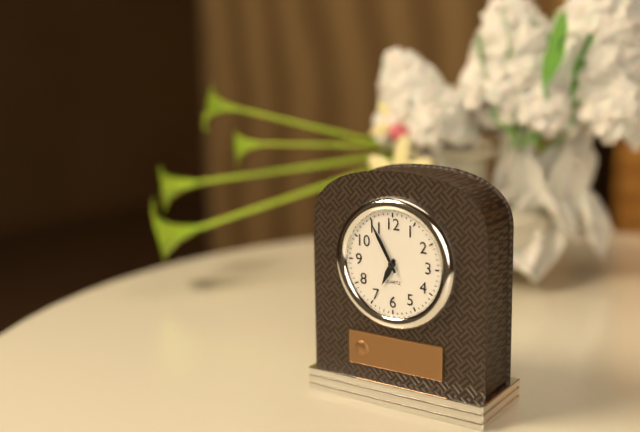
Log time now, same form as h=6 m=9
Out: h=6 m=55
